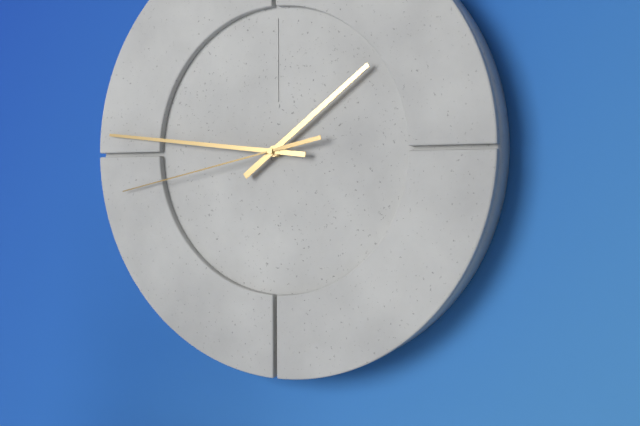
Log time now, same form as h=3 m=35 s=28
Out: h=1 m=46 s=43
